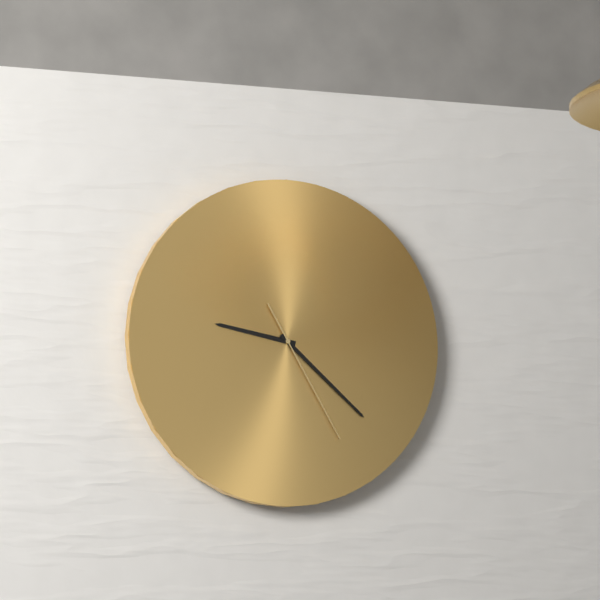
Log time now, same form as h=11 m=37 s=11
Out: h=9 m=22 s=25
